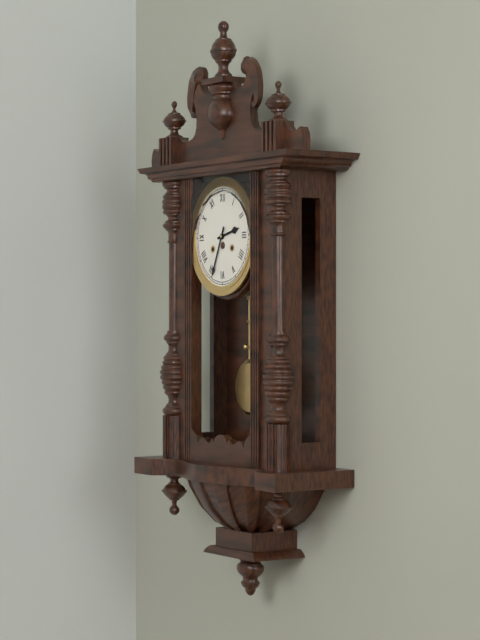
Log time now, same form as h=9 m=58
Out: h=2 m=34
